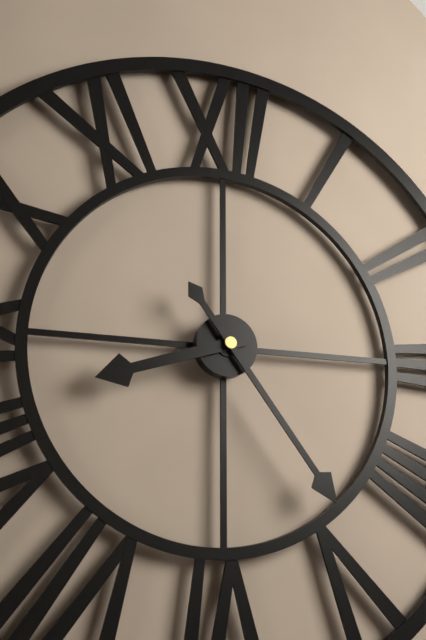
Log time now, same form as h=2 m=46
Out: h=8 m=24
